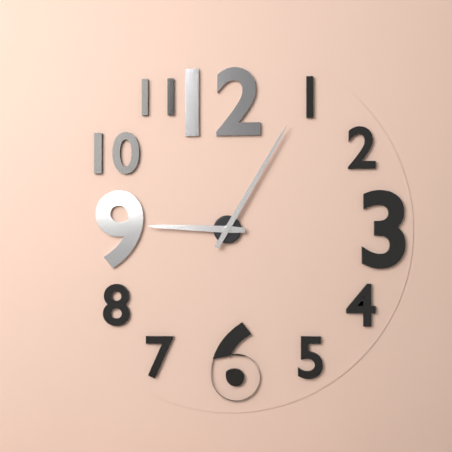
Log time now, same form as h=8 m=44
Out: h=9 m=5
